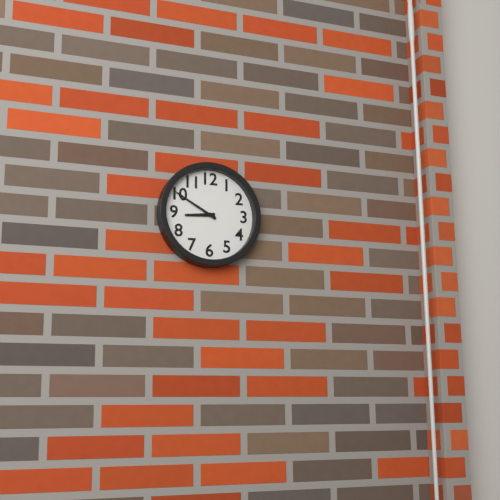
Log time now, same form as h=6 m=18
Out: h=8 m=50
